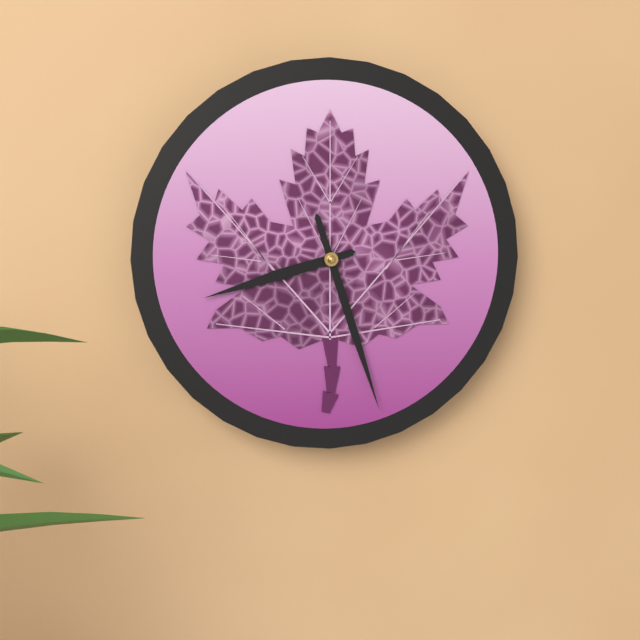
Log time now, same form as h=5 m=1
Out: h=8 m=27
